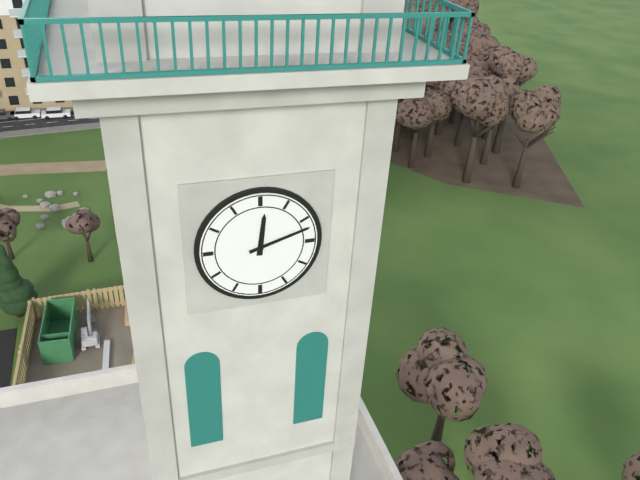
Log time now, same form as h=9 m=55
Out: h=12 m=12
